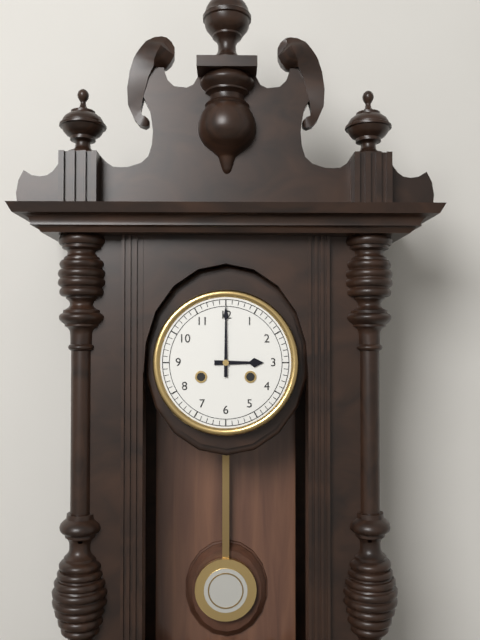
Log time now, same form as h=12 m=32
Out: h=3 m=0
